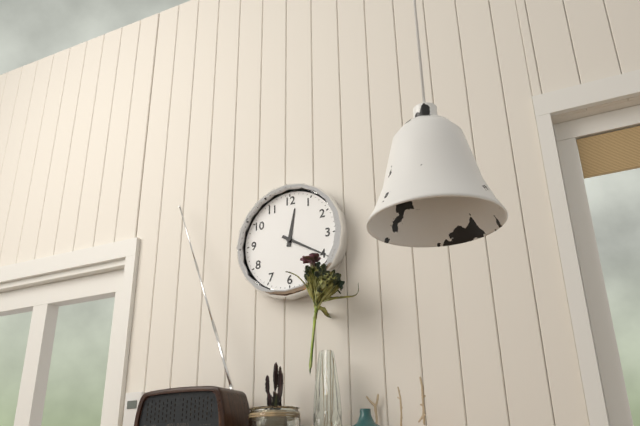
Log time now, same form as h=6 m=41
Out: h=12 m=20
